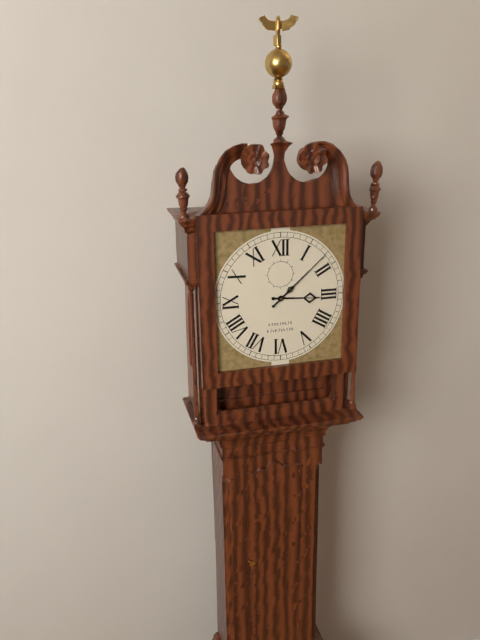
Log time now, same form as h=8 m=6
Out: h=3 m=8
